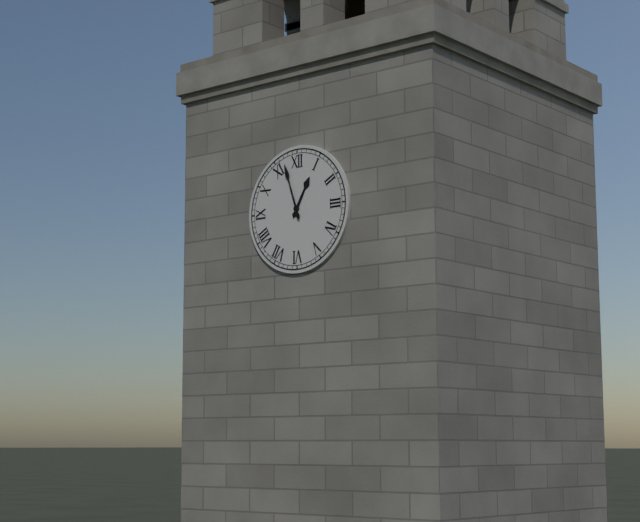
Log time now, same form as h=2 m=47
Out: h=12 m=57
